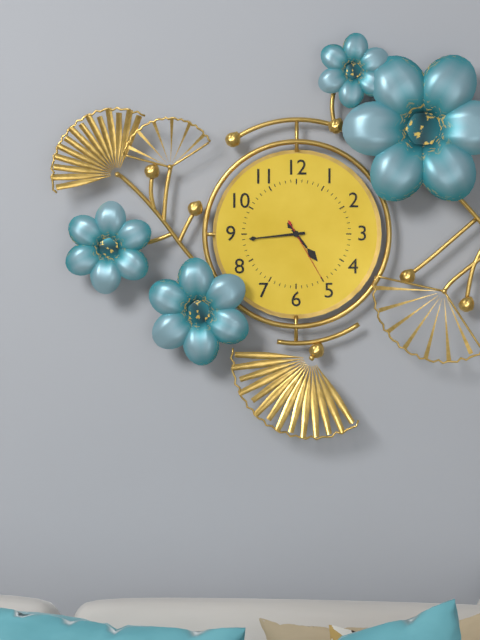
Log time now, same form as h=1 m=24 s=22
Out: h=4 m=44 s=25
